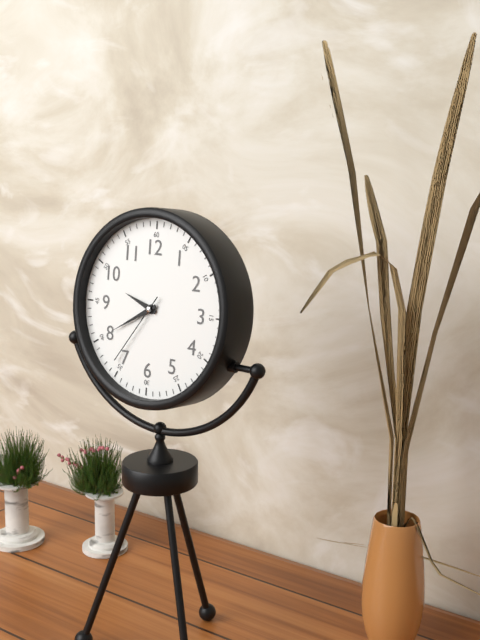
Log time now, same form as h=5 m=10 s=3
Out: h=9 m=40 s=36
